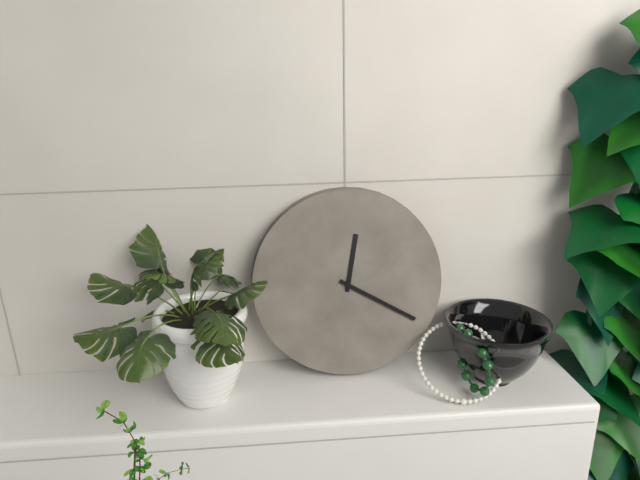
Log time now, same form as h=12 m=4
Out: h=12 m=20
